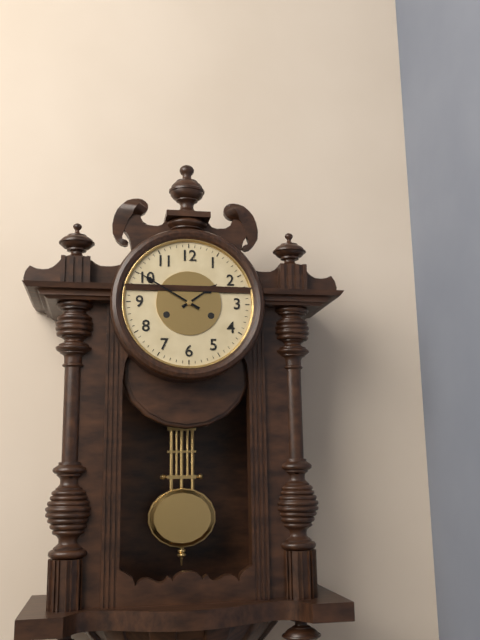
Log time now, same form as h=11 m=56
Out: h=1 m=50
